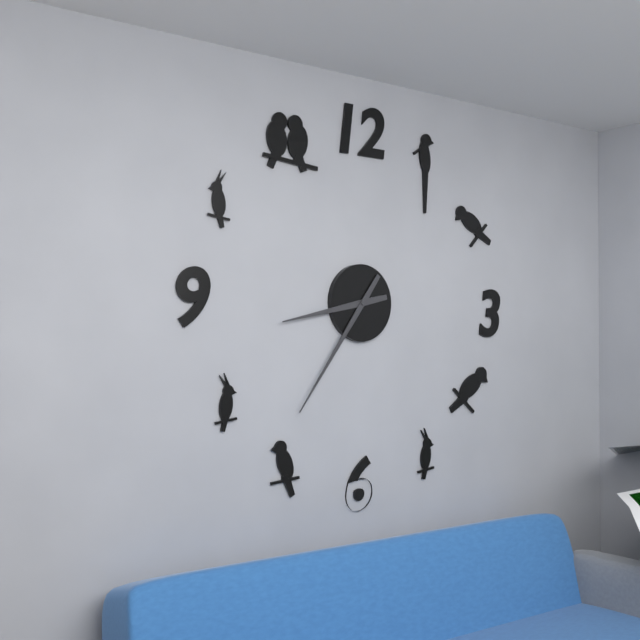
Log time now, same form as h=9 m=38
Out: h=8 m=36
